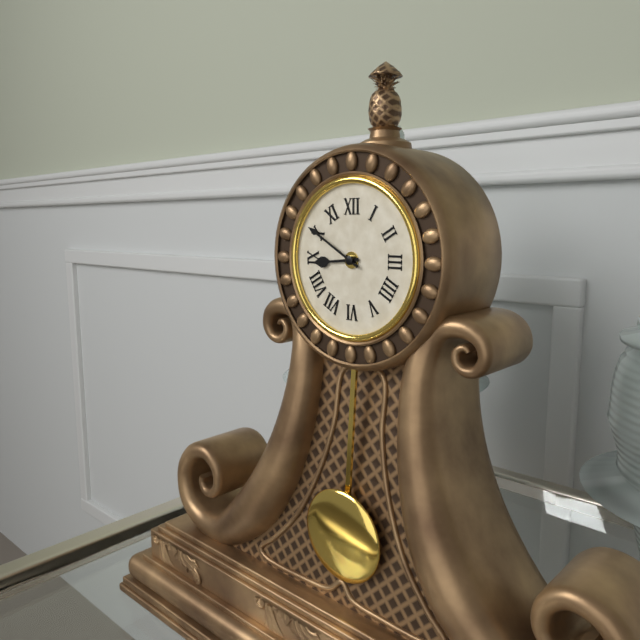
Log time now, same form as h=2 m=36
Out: h=8 m=50
